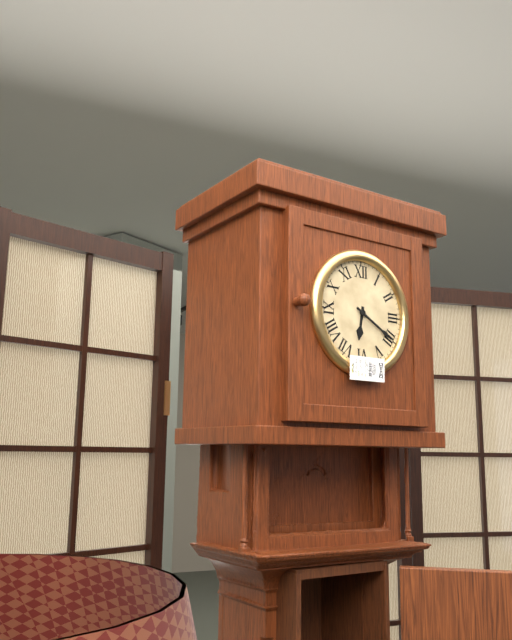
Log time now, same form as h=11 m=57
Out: h=6 m=20
